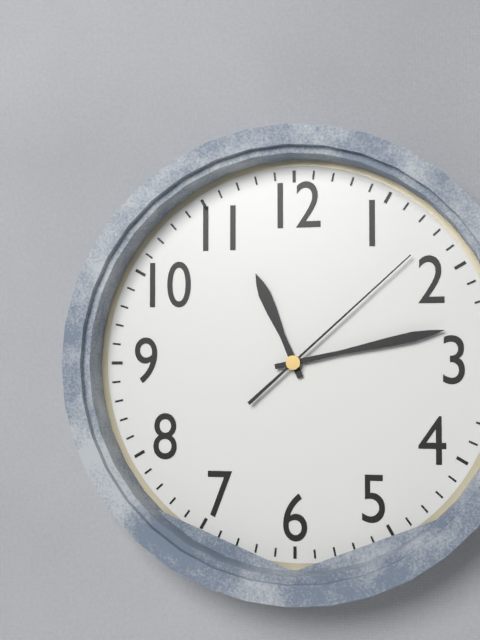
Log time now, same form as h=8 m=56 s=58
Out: h=11 m=13 s=8
